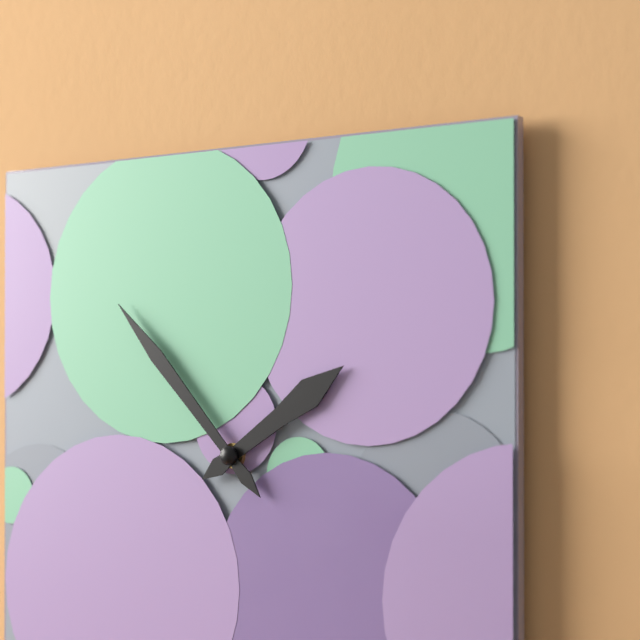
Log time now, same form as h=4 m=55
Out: h=1 m=53
